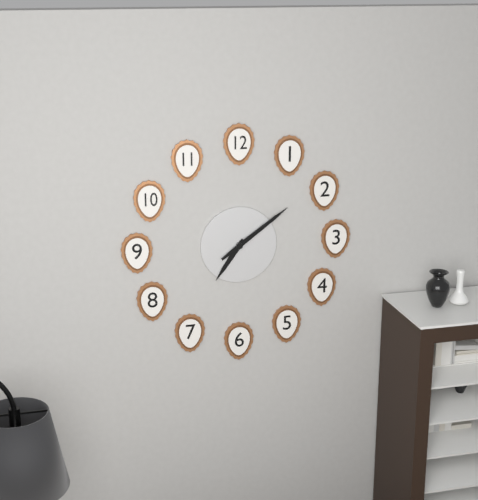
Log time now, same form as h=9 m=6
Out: h=7 m=9
